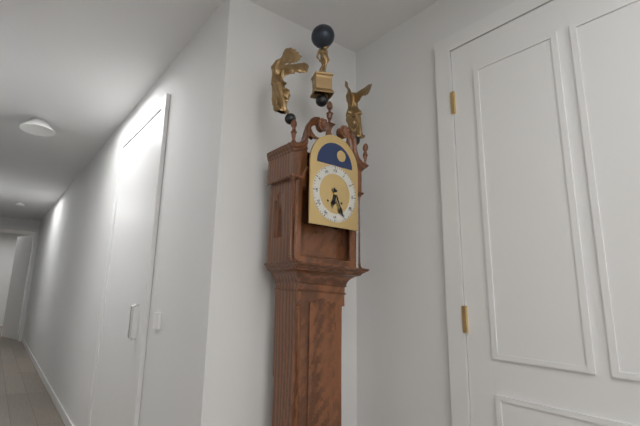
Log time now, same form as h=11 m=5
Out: h=6 m=26
